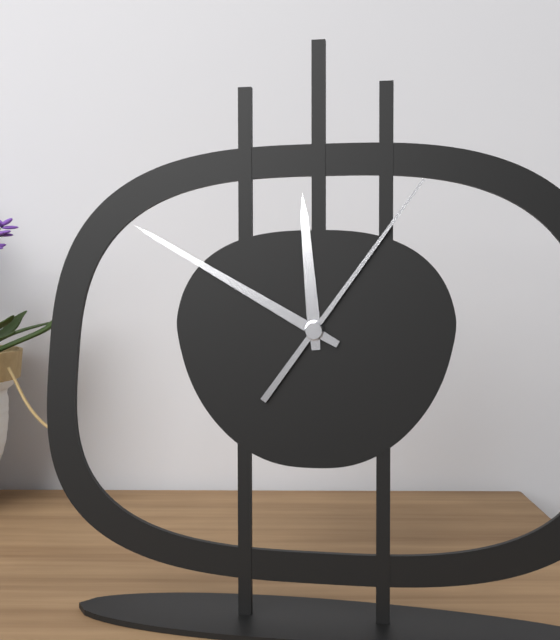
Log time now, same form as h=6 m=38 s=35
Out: h=11 m=50 s=6
